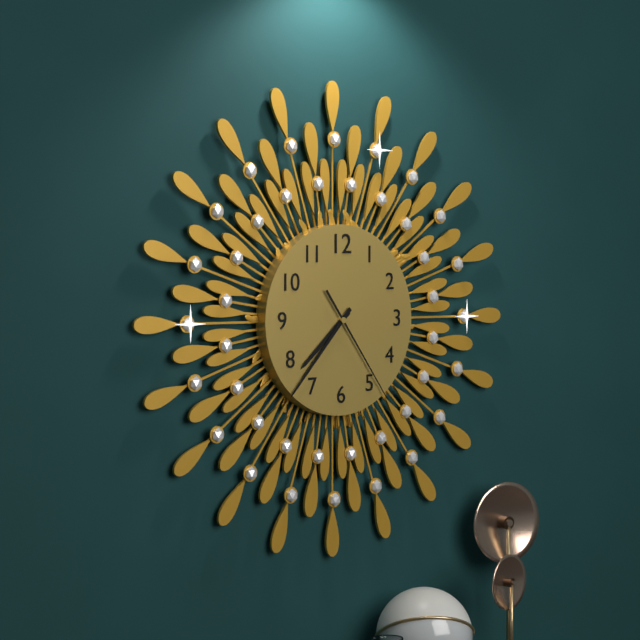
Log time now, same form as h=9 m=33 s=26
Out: h=7 m=37 s=24
